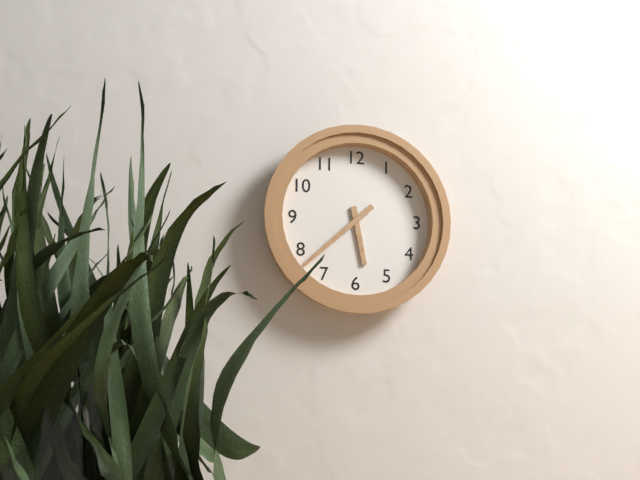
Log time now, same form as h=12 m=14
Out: h=5 m=38
